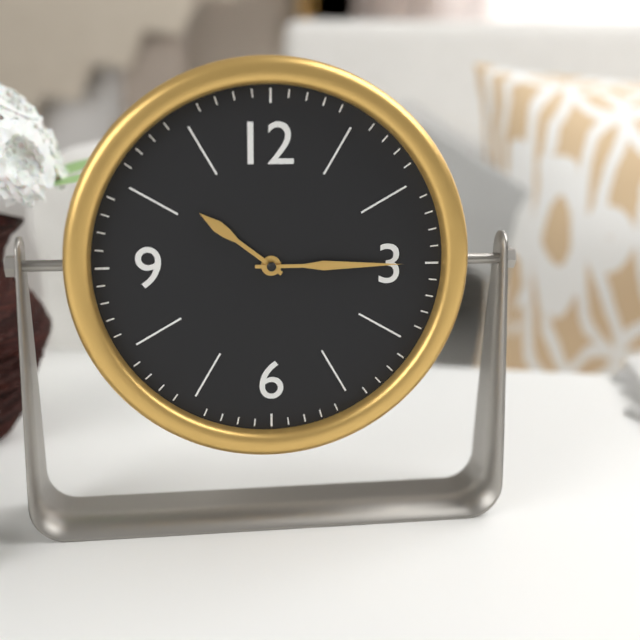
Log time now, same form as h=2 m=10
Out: h=10 m=15
